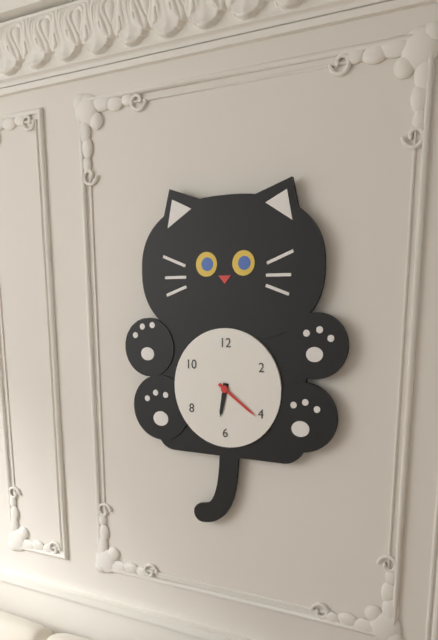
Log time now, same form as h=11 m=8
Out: h=6 m=21
